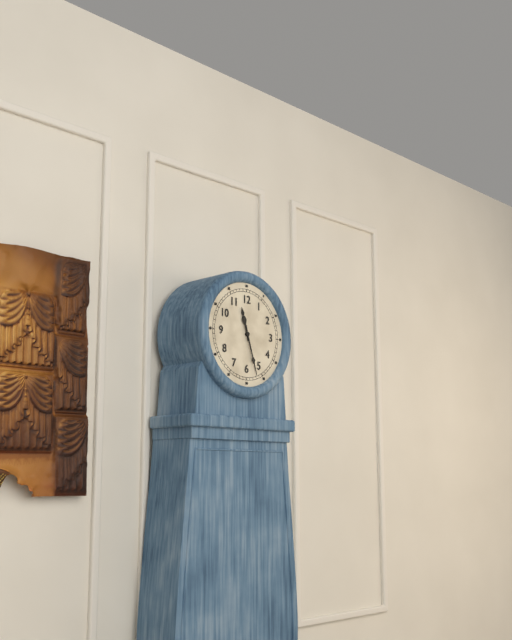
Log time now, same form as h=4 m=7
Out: h=11 m=27
